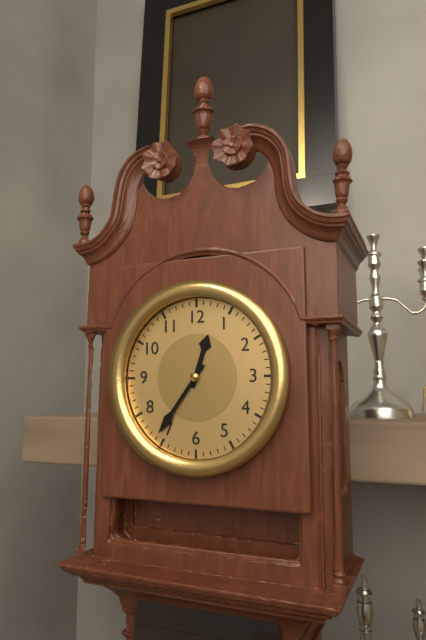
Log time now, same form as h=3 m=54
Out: h=12 m=36
